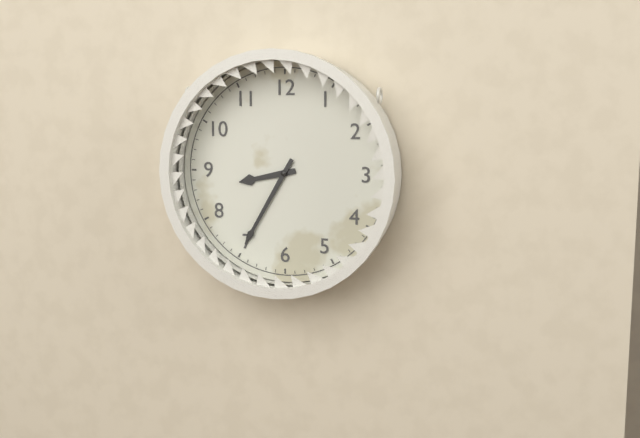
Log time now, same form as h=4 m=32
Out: h=8 m=35
